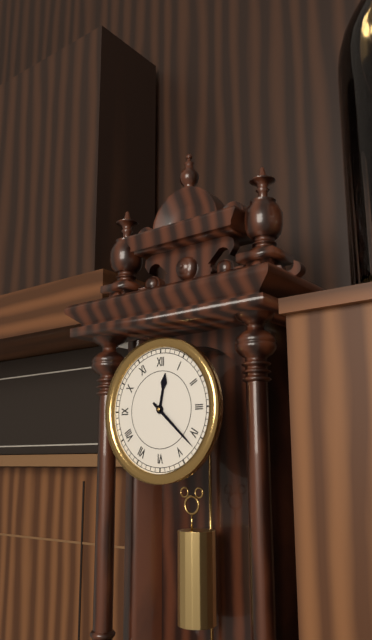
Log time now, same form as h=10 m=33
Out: h=12 m=22
